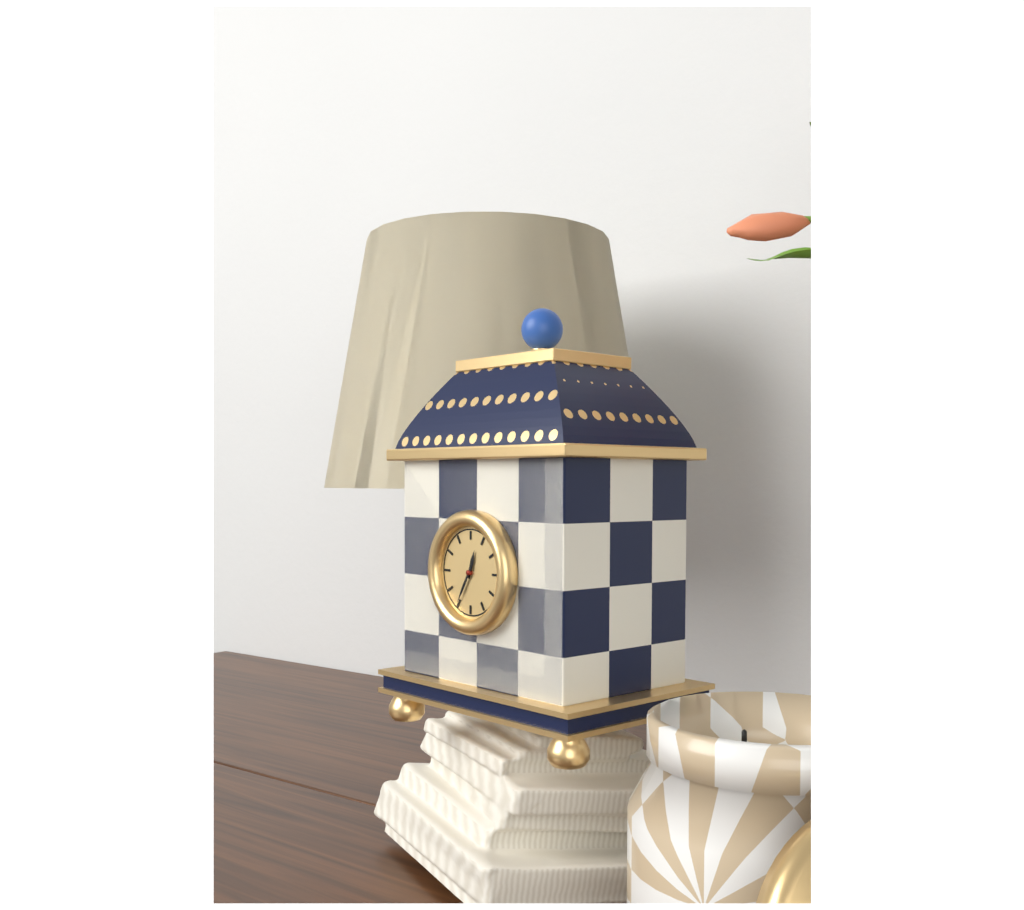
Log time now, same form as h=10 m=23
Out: h=12 m=35
